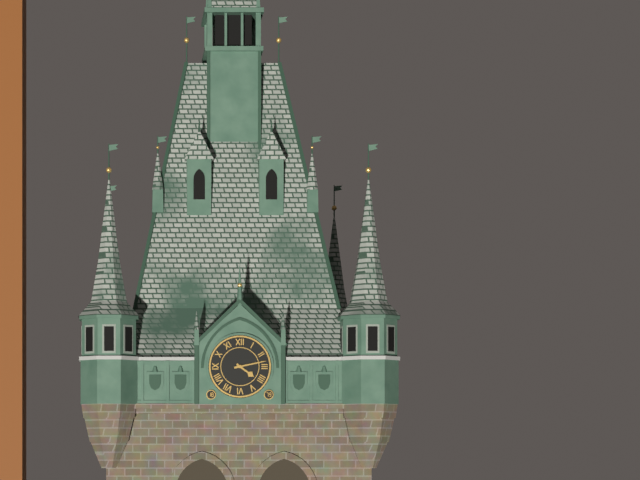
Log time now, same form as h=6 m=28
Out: h=4 m=13
